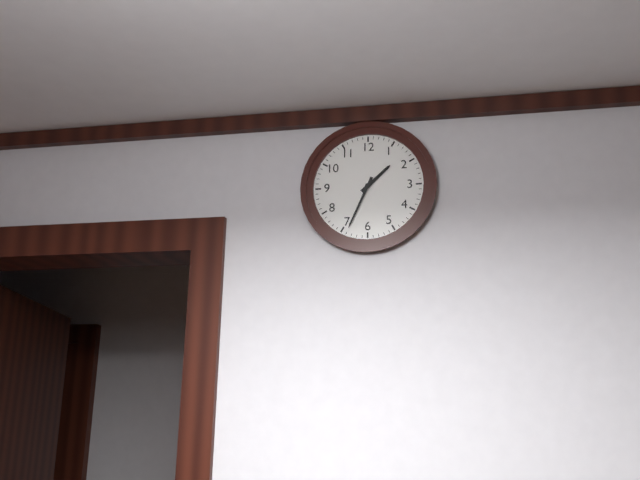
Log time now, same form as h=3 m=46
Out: h=1 m=34
